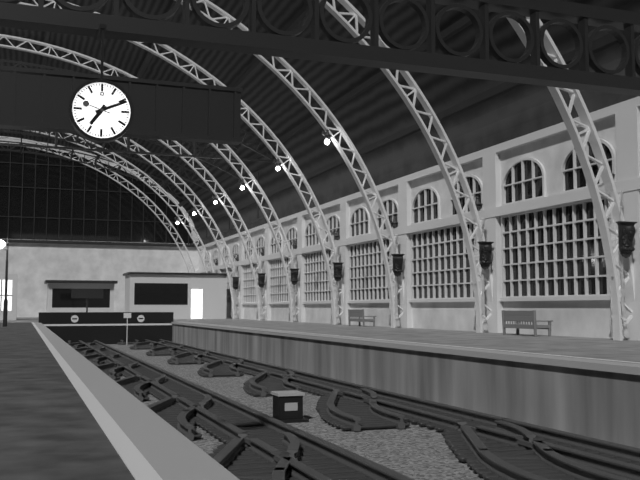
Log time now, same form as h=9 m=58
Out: h=7 m=11
